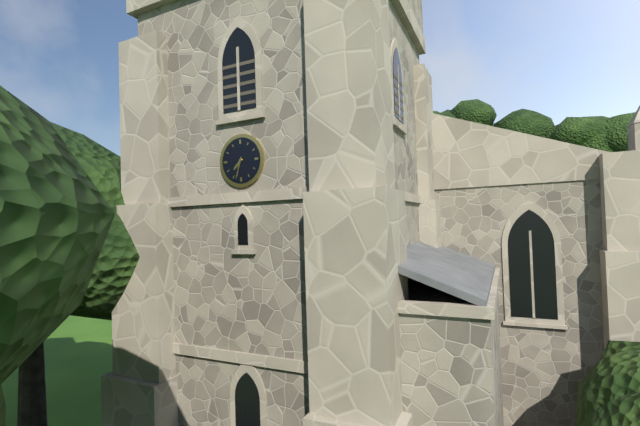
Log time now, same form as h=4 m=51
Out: h=7 m=33
